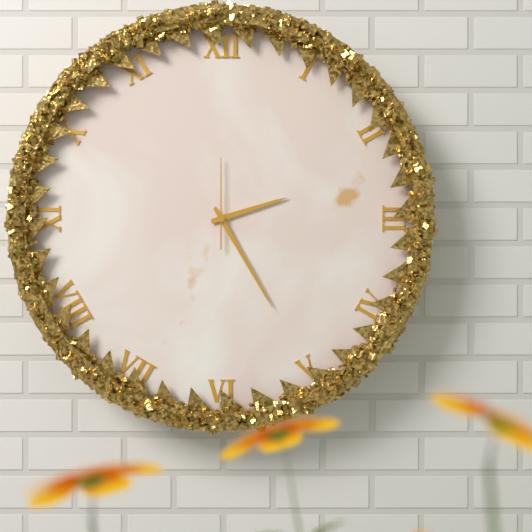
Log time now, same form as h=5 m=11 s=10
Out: h=2 m=25 s=0
